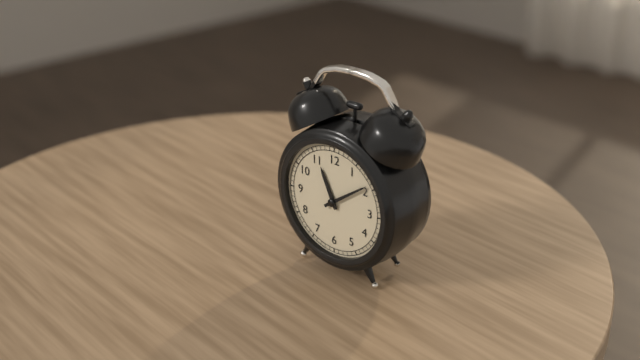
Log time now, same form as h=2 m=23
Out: h=11 m=9
